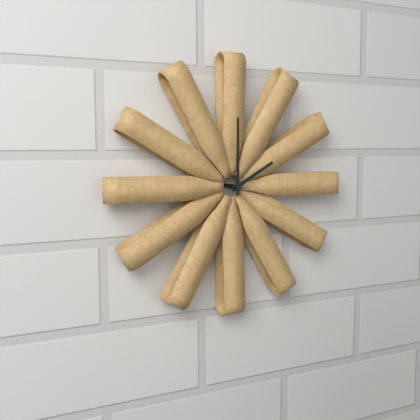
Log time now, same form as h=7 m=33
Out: h=2 m=0
